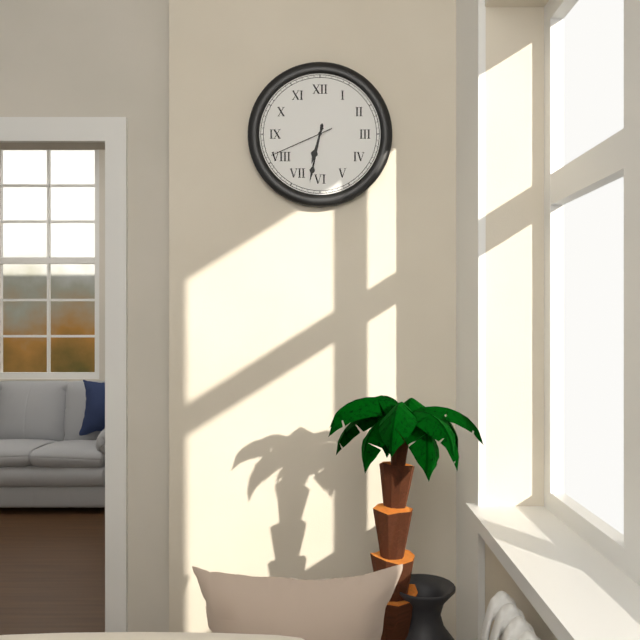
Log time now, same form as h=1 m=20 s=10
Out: h=6 m=32 s=41
